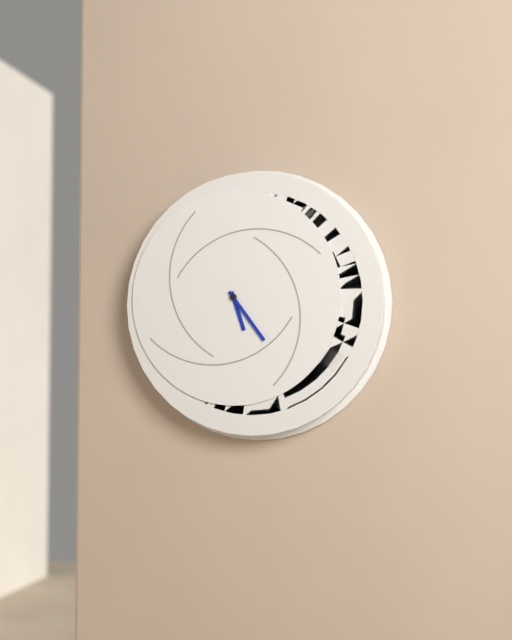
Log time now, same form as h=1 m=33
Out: h=5 m=24
